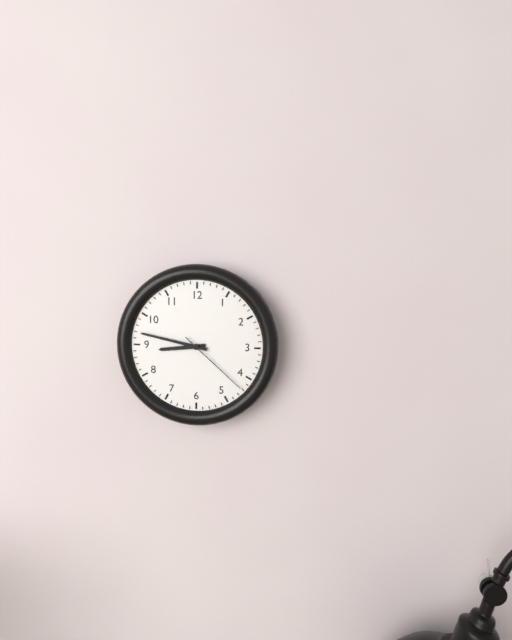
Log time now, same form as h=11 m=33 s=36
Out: h=8 m=47 s=22
